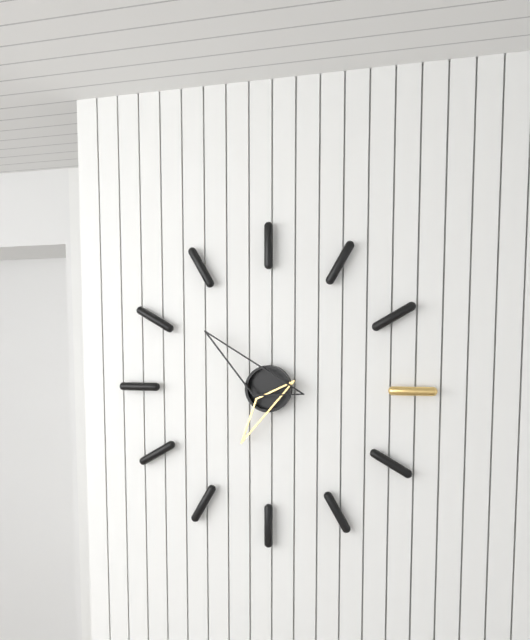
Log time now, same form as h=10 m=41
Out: h=6 m=52
